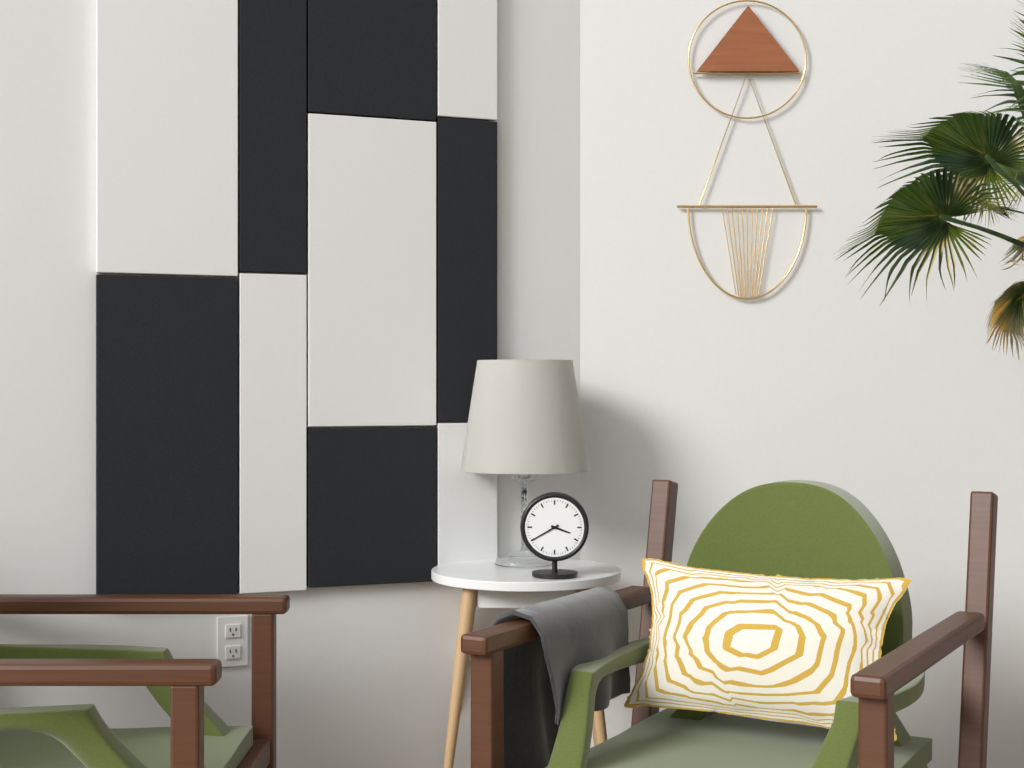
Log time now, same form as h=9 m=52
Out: h=3 m=40
